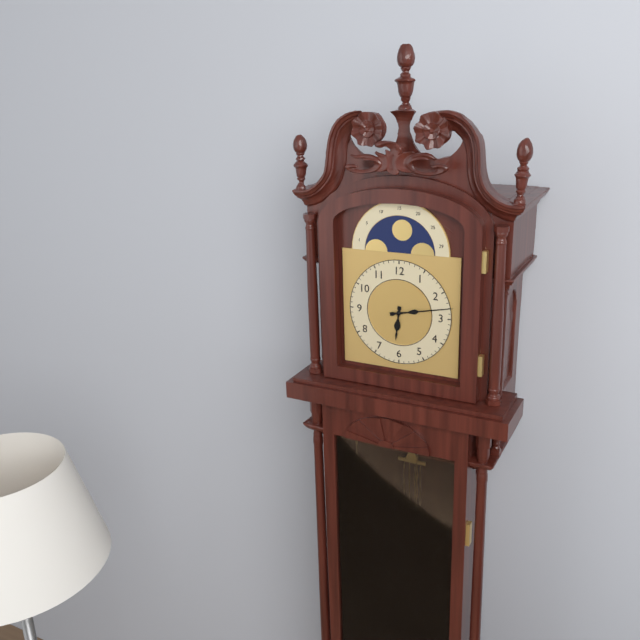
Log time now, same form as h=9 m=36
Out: h=6 m=13
